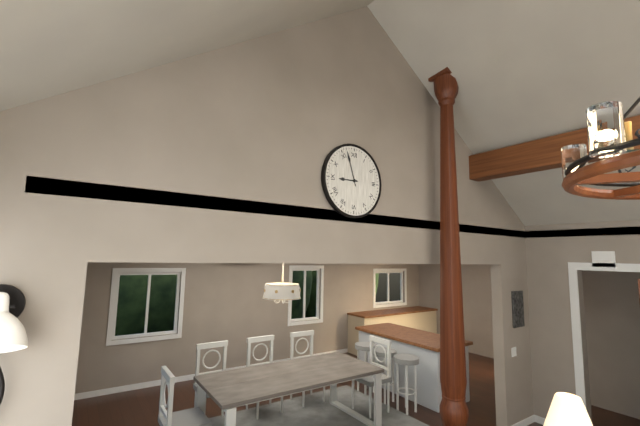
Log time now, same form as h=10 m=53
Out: h=8 m=57
